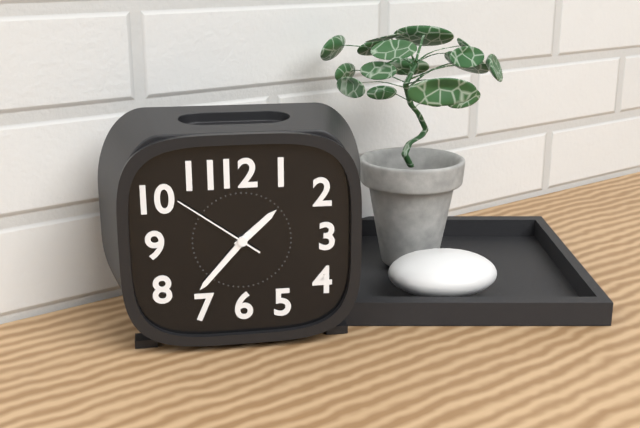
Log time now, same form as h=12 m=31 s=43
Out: h=1 m=37 s=51
